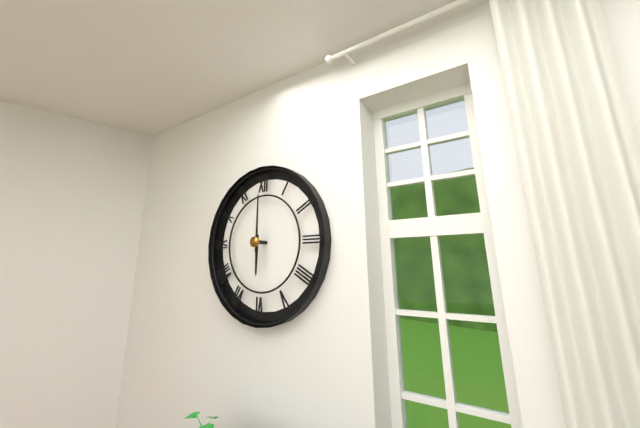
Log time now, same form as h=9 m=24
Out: h=6 m=0
